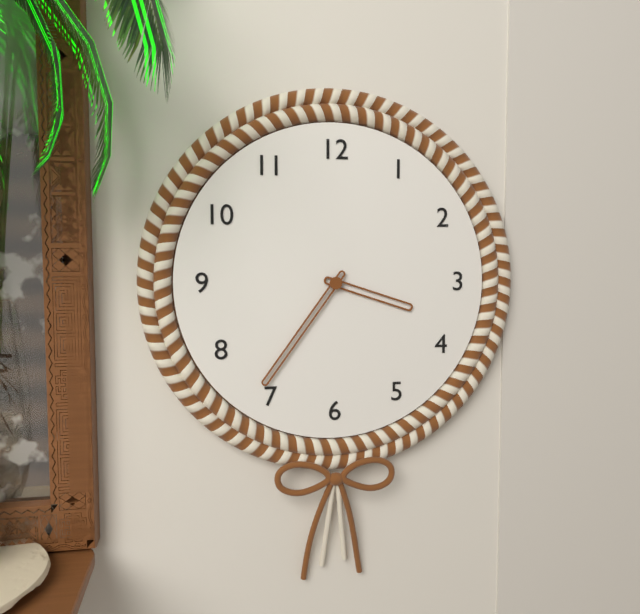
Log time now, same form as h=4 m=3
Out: h=3 m=36
